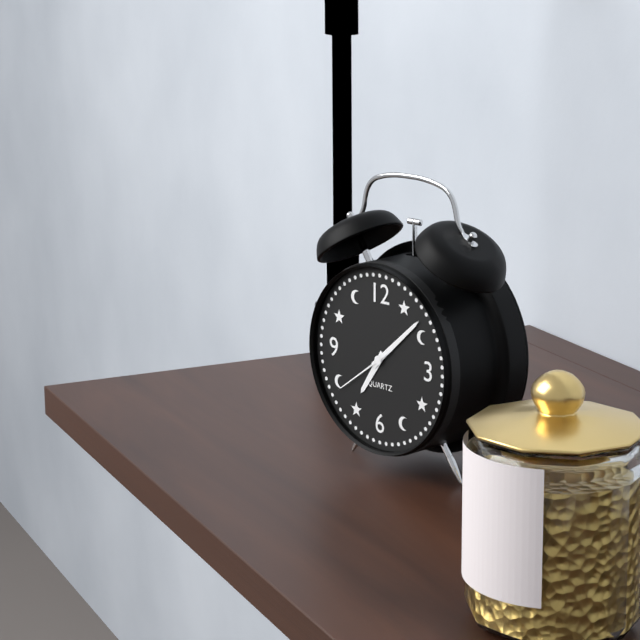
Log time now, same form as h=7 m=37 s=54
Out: h=7 m=8 s=39
